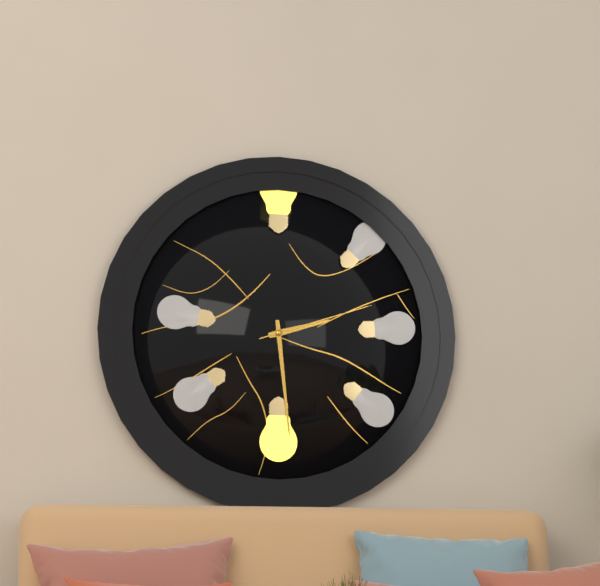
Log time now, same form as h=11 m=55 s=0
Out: h=2 m=29 s=12
